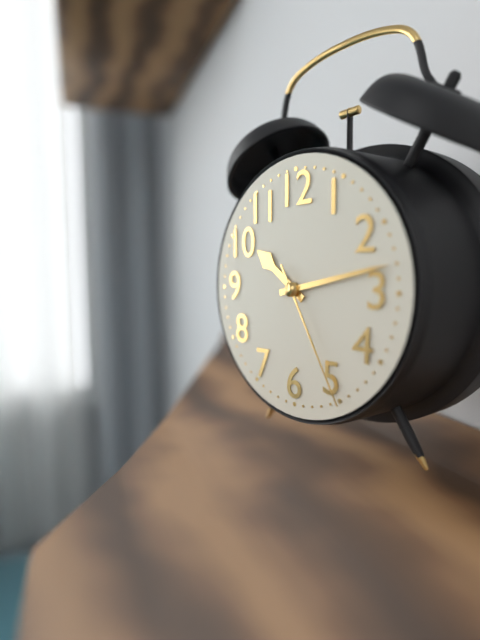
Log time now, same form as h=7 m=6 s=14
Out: h=10 m=13 s=25
